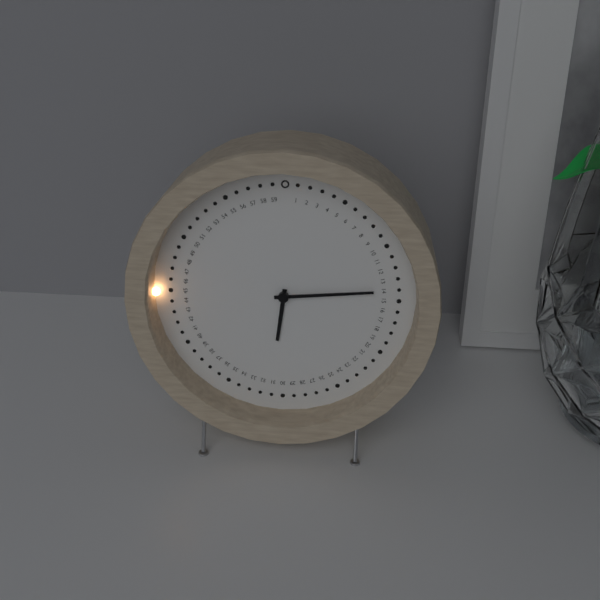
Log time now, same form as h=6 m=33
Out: h=6 m=14
